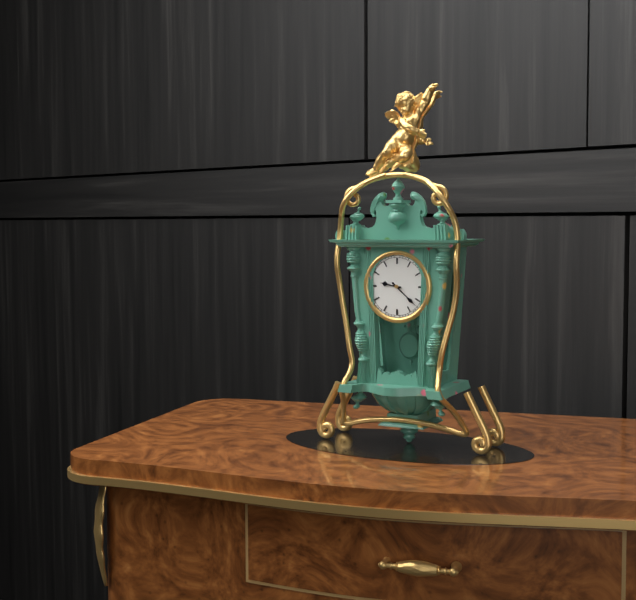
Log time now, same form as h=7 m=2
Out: h=9 m=22
